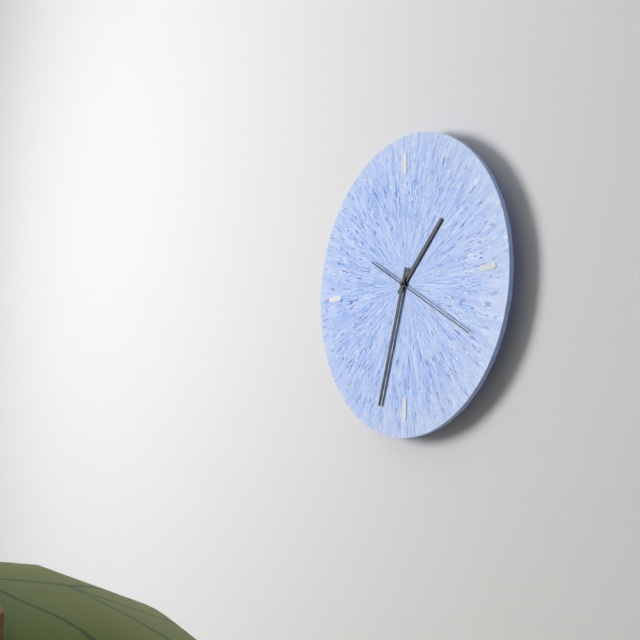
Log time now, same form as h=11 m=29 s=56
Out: h=1 m=33 s=20
